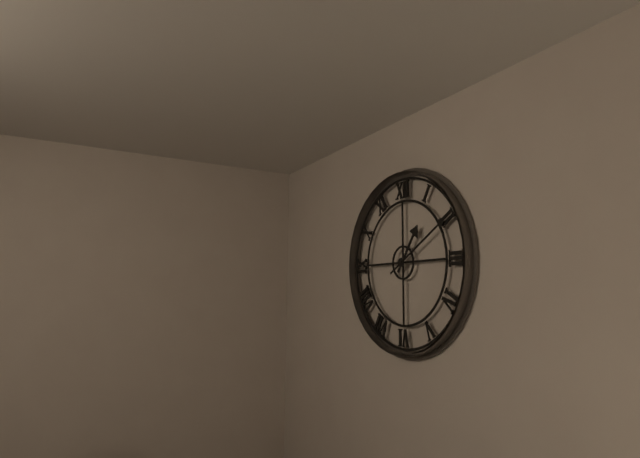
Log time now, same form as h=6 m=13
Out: h=1 m=10
